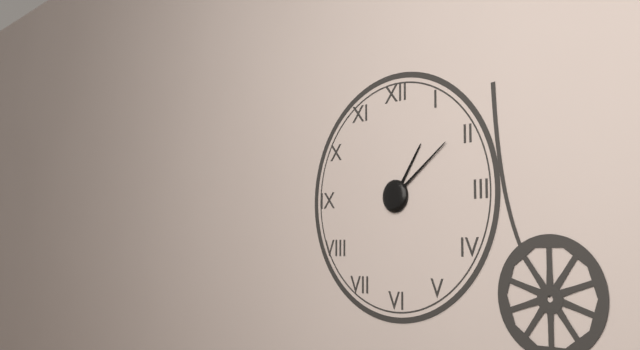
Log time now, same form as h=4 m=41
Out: h=1 m=9
